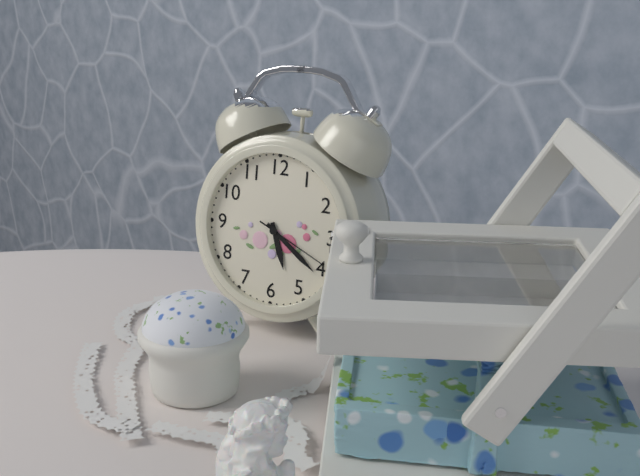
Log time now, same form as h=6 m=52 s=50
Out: h=5 m=21 s=19
